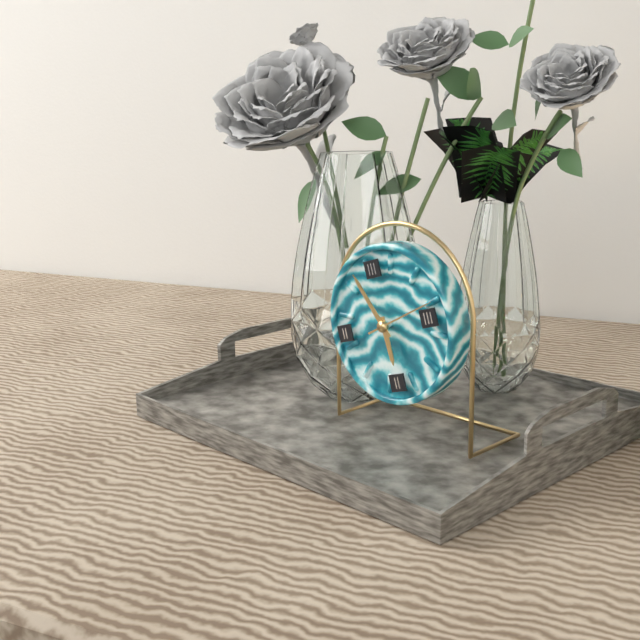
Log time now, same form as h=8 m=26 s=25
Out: h=5 m=56 s=13
